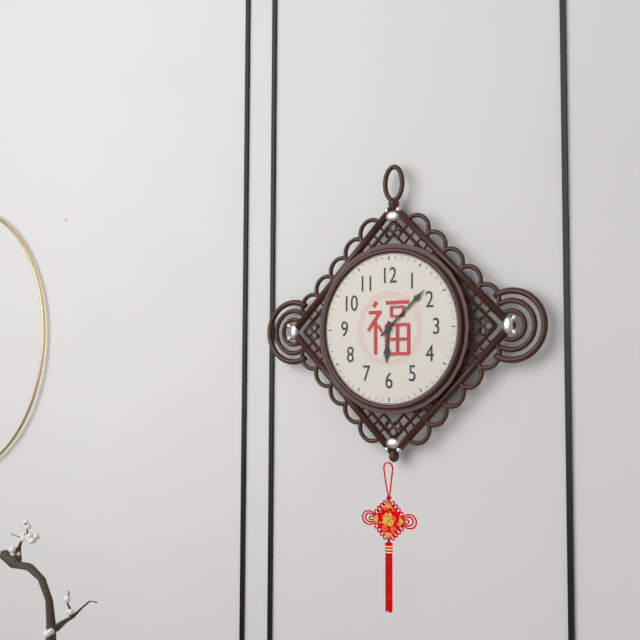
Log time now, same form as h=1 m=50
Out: h=6 m=8
